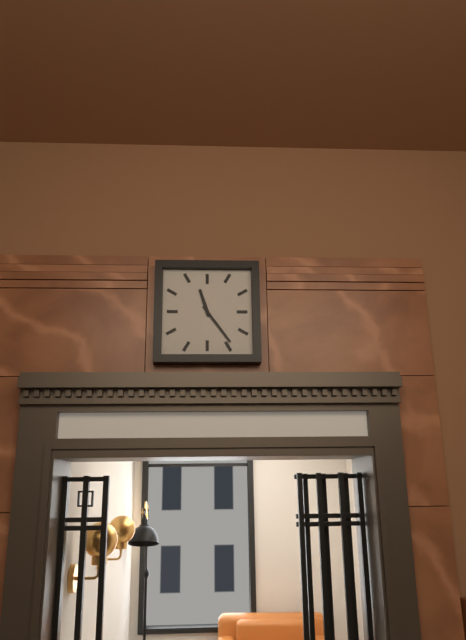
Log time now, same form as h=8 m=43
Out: h=11 m=24
